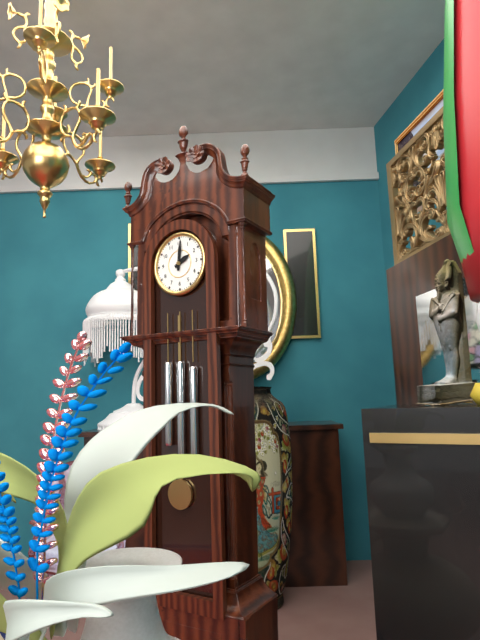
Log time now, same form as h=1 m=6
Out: h=2 m=1
